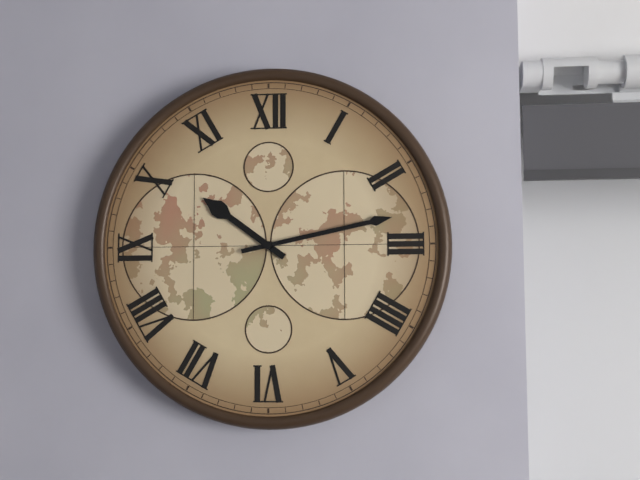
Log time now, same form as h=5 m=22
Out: h=10 m=13
